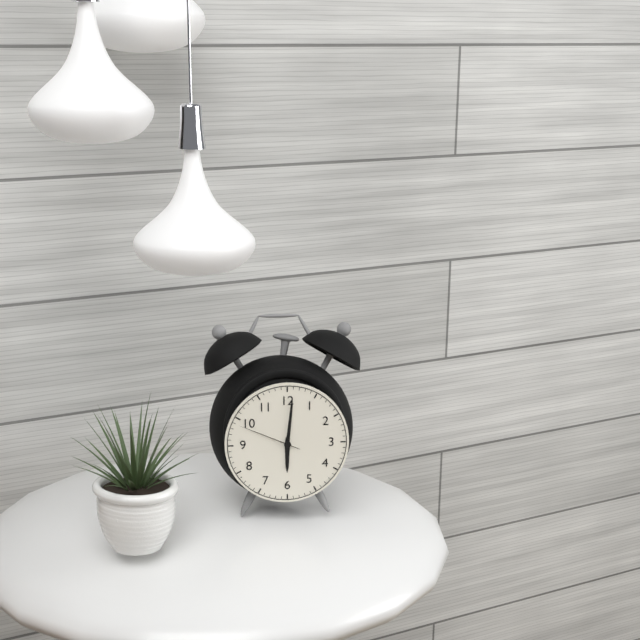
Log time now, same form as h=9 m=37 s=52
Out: h=6 m=1 s=49
